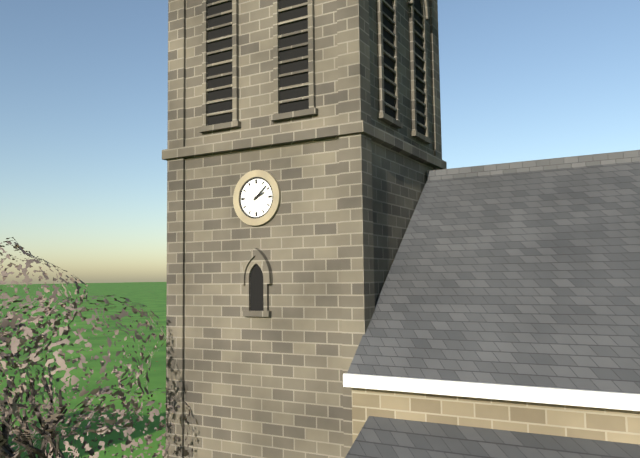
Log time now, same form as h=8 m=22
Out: h=2 m=8
